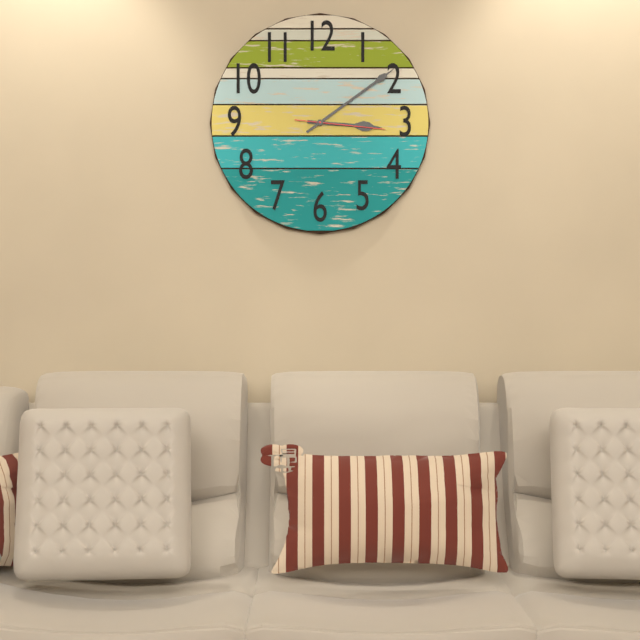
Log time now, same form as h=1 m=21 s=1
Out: h=3 m=9 s=16
